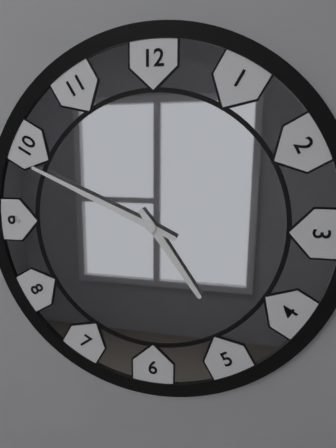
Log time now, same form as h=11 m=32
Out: h=4 m=49
